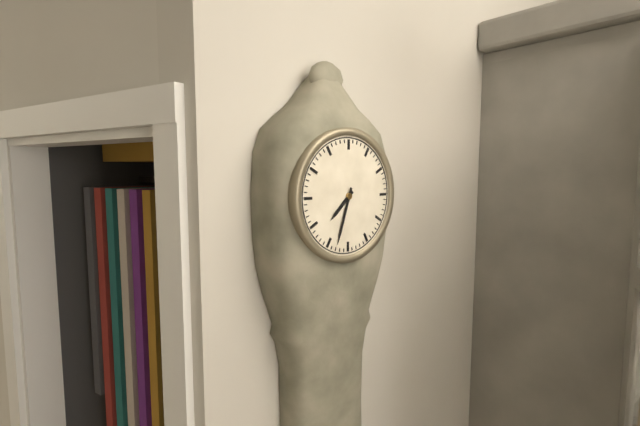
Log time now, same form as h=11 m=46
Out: h=7 m=33
